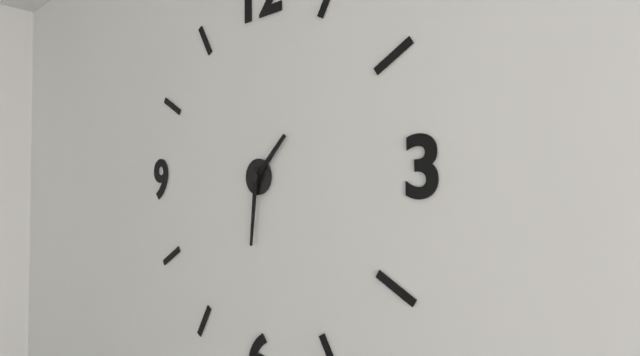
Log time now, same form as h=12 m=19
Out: h=1 m=31
